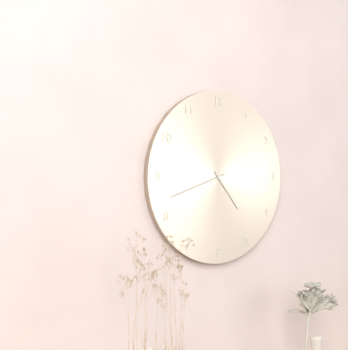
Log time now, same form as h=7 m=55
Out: h=4 m=42
